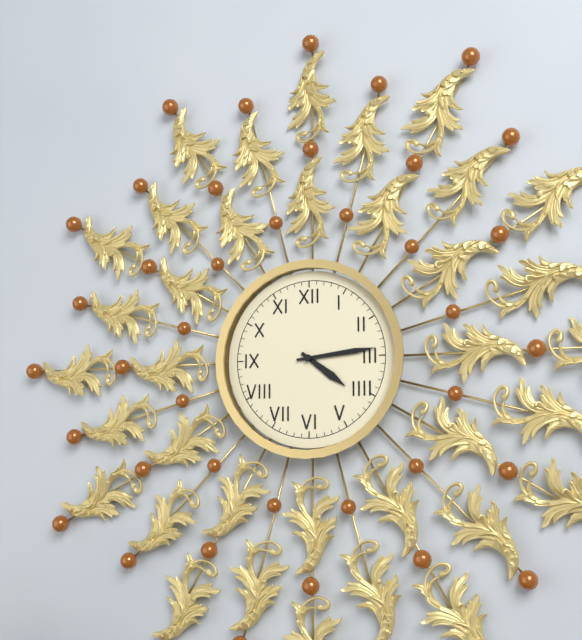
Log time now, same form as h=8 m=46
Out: h=4 m=14
